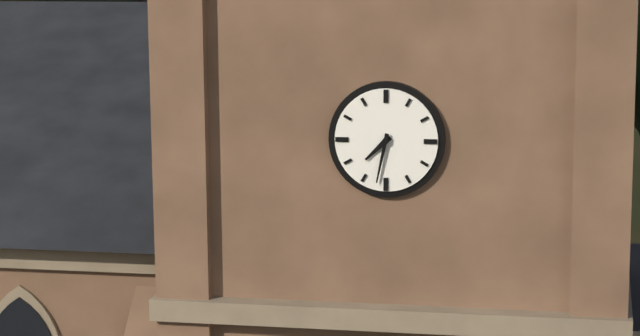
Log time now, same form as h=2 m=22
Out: h=7 m=32
